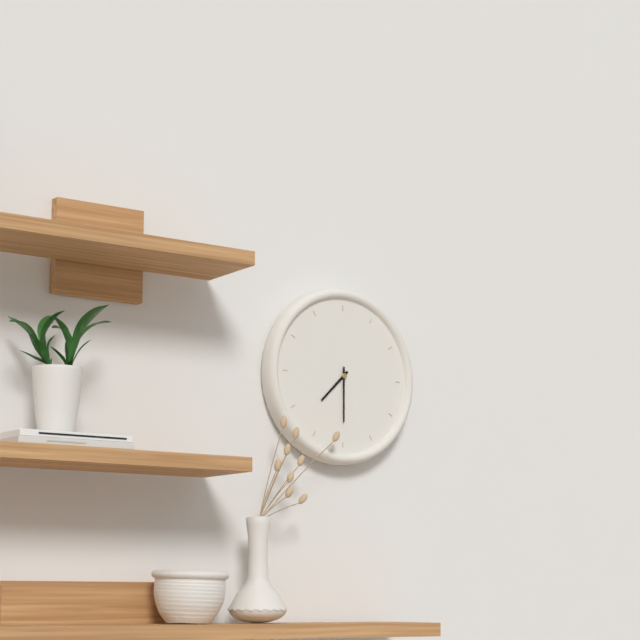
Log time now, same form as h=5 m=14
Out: h=7 m=30
